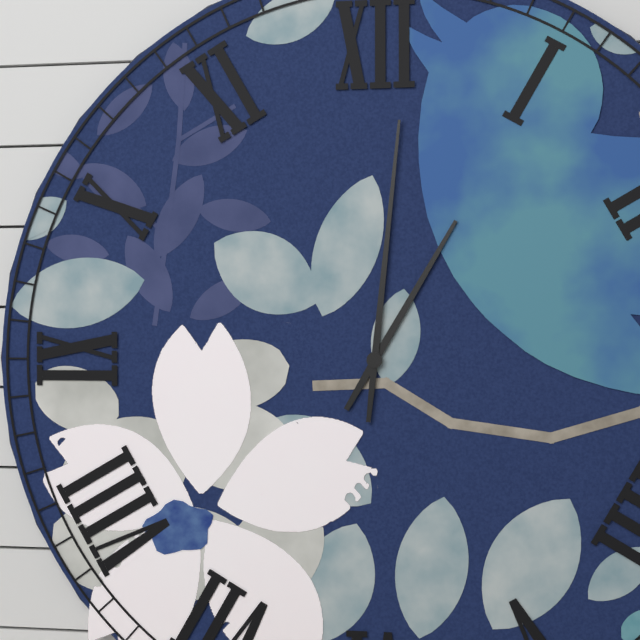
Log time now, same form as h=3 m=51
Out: h=1 m=1
